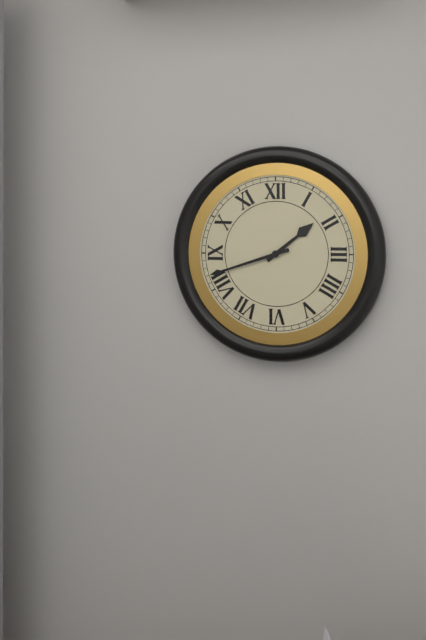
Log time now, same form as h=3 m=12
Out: h=1 m=42
